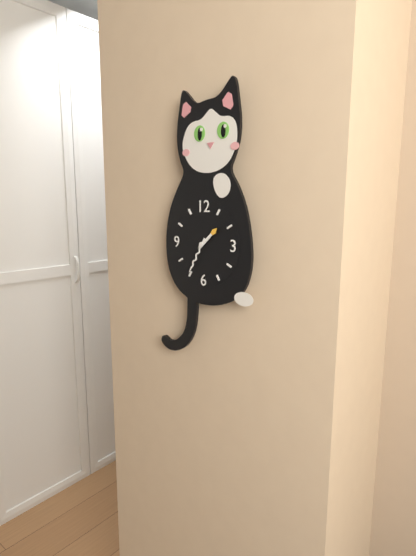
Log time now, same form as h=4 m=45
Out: h=1 m=35
